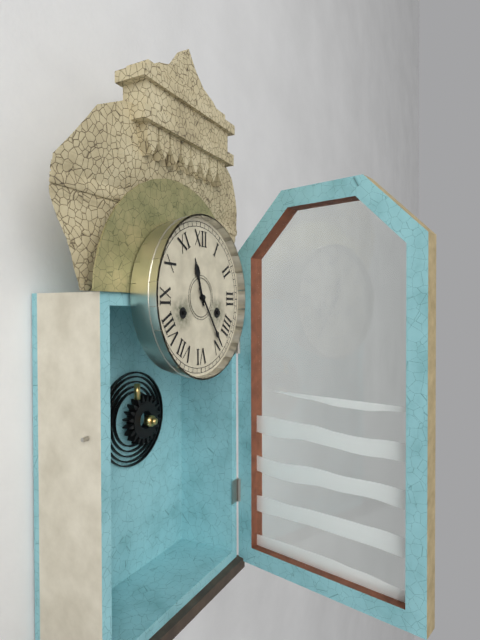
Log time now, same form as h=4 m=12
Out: h=11 m=24
